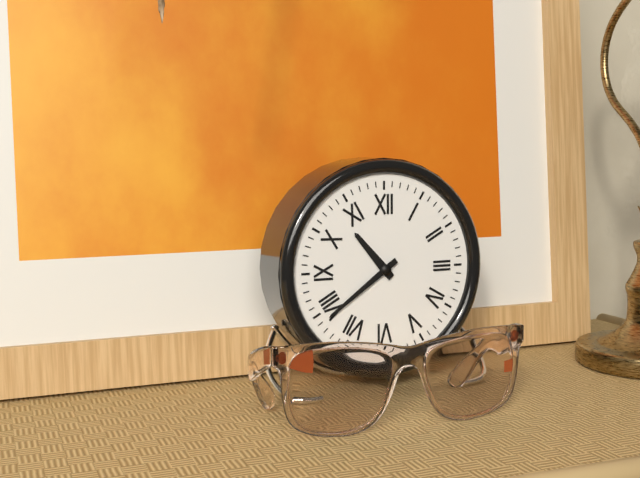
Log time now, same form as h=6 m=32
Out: h=10 m=39
